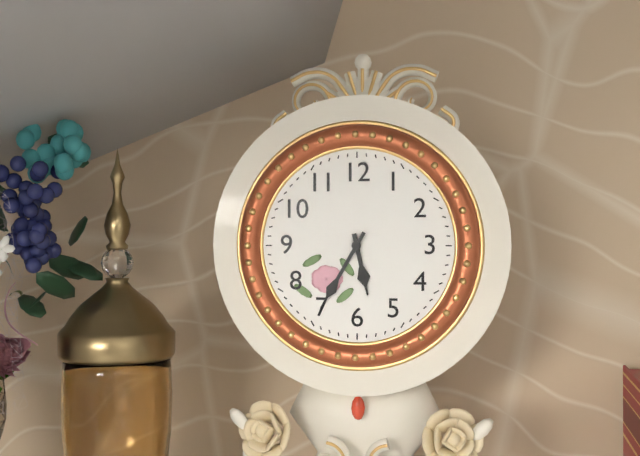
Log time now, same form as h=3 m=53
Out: h=5 m=35
